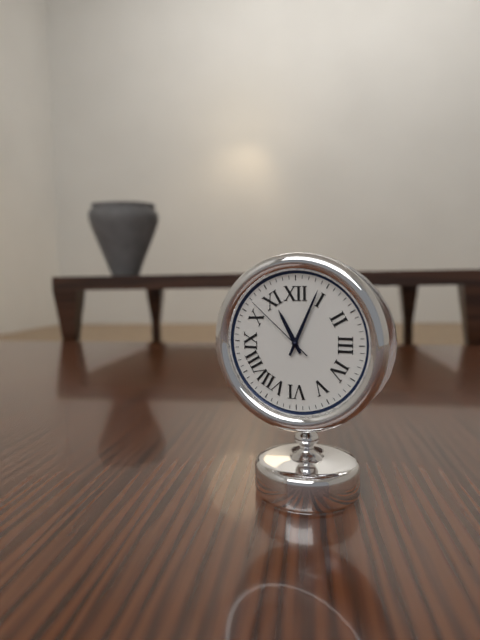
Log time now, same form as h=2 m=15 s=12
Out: h=11 m=4 s=52
